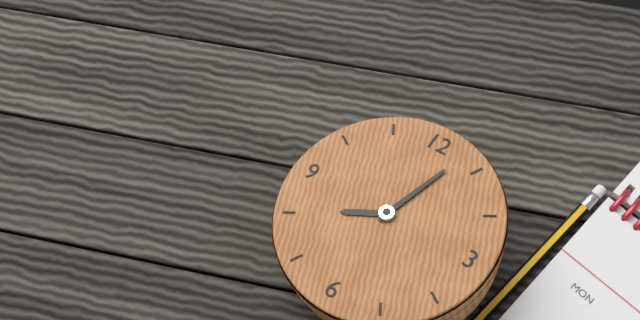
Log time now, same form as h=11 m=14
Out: h=8 m=3
